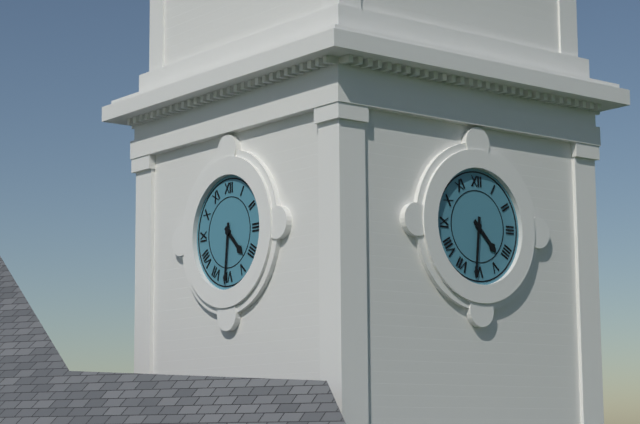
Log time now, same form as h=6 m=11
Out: h=4 m=31
